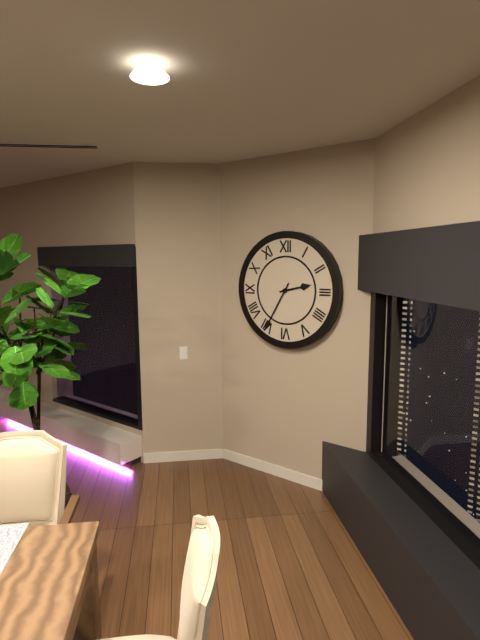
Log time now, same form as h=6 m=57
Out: h=2 m=35
